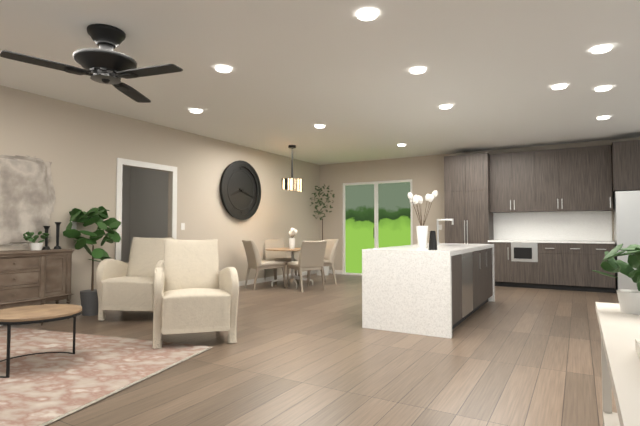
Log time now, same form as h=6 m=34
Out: h=8 m=18
